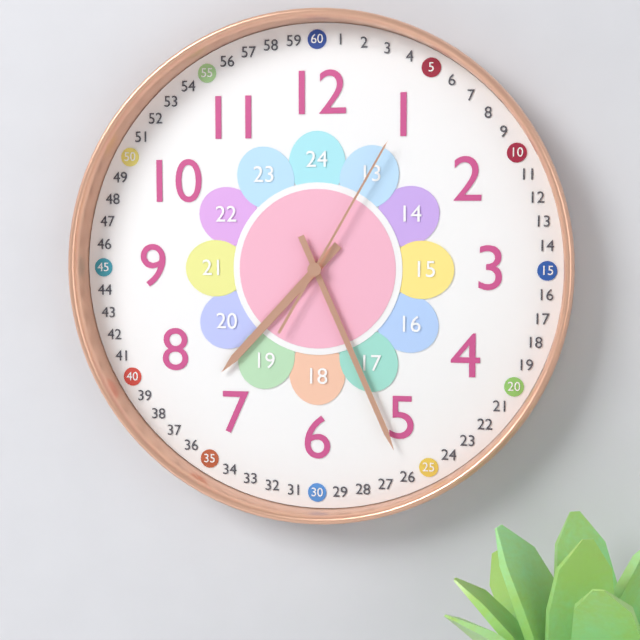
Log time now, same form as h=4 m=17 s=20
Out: h=7 m=26 s=5
